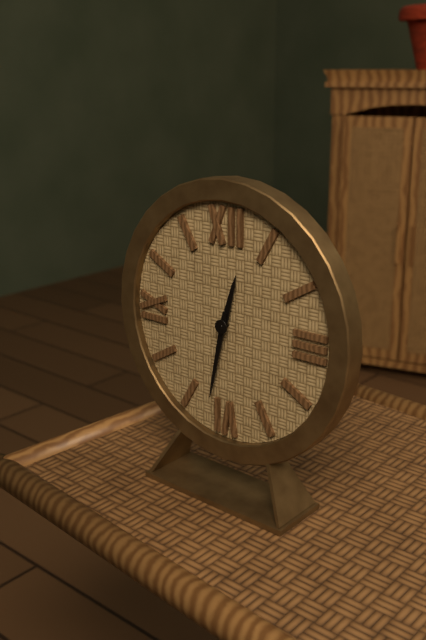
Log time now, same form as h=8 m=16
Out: h=12 m=32
